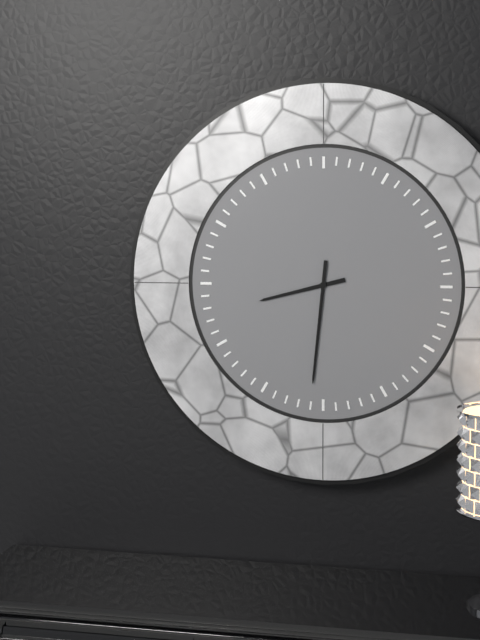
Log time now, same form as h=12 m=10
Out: h=8 m=31
